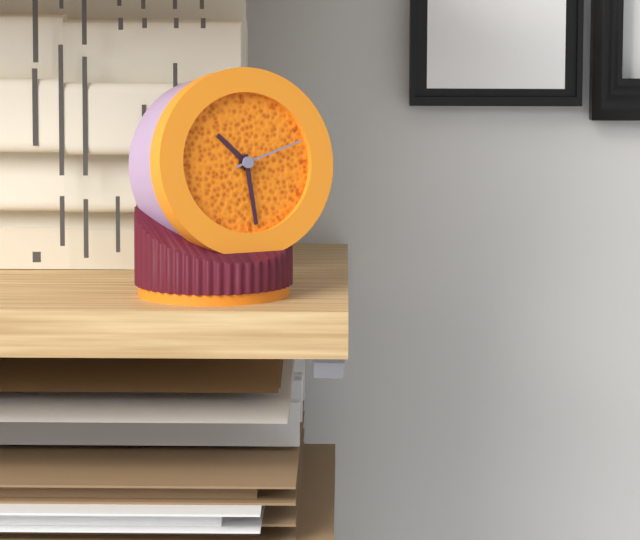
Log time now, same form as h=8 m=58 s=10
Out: h=10 m=29 s=12
